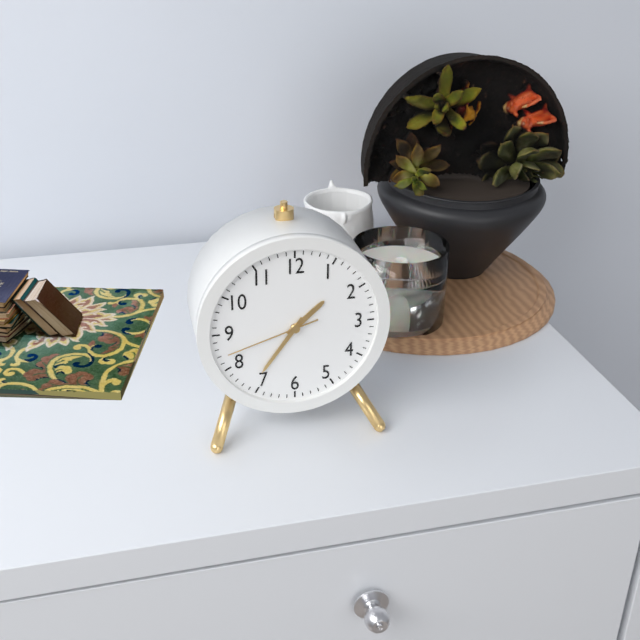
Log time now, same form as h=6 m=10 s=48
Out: h=1 m=36 s=42
